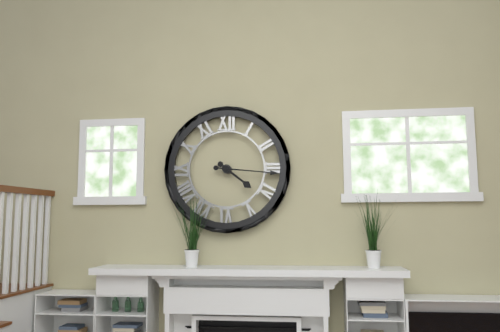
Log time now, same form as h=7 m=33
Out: h=4 m=16
